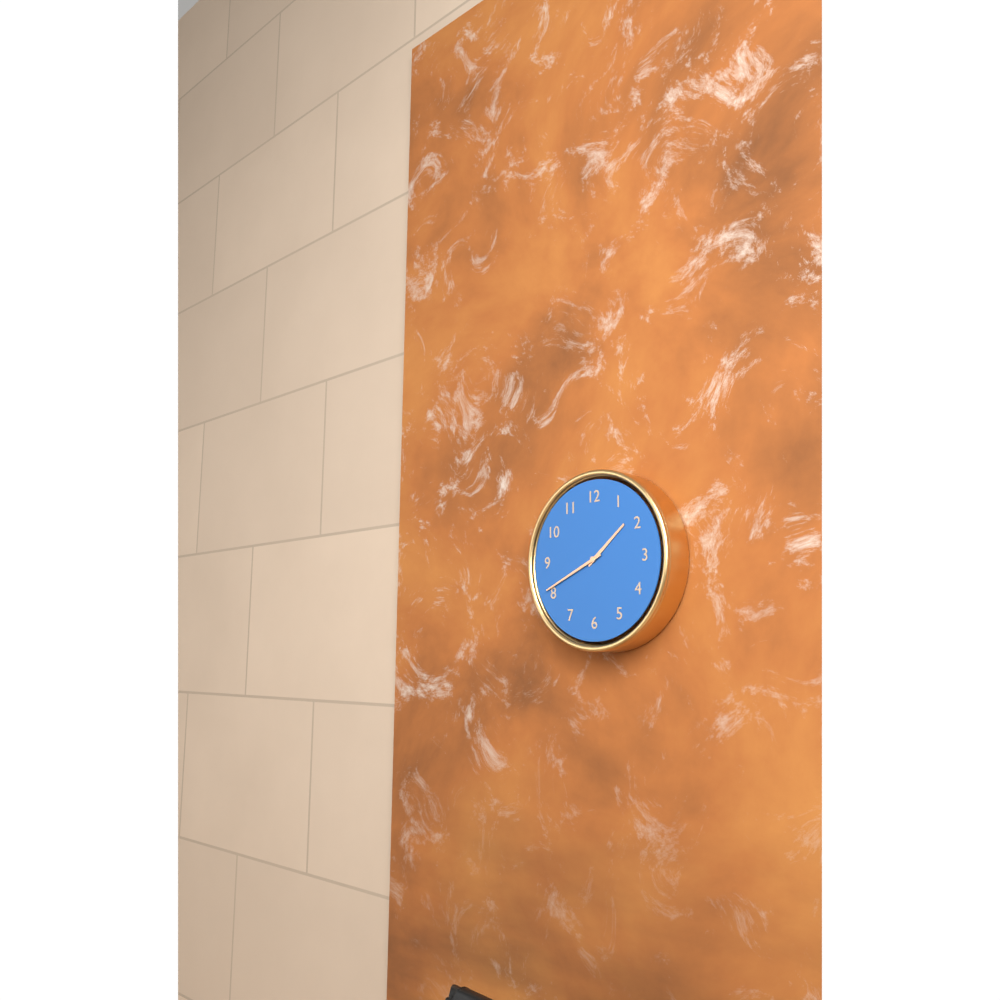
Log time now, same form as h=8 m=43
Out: h=1 m=41
